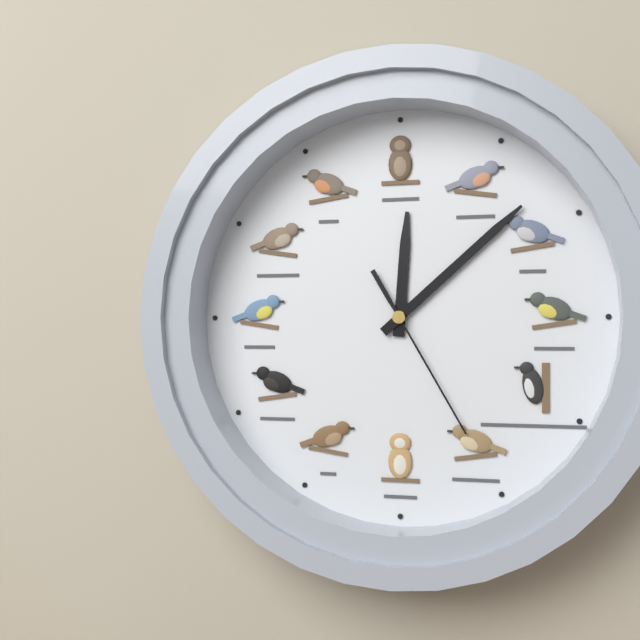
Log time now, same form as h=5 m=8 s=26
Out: h=12 m=8 s=25
